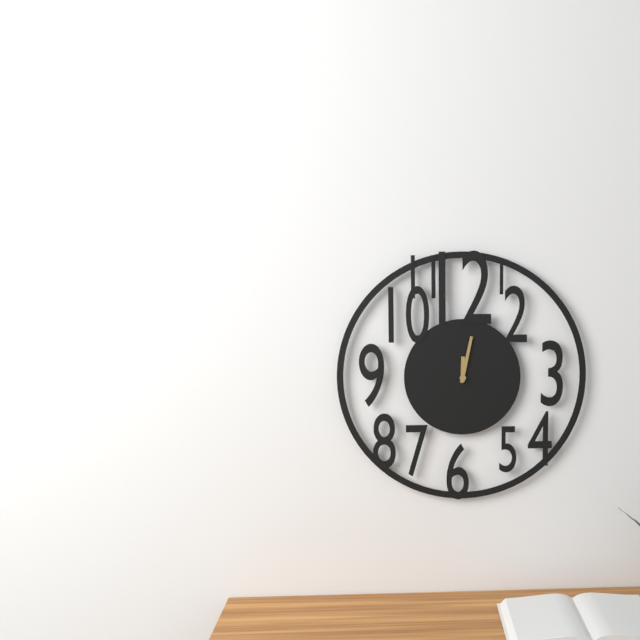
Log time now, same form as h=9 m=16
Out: h=12 m=2
